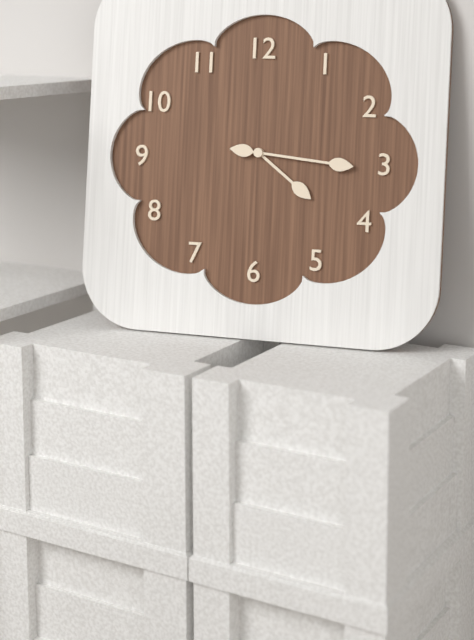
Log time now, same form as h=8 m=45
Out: h=4 m=16
